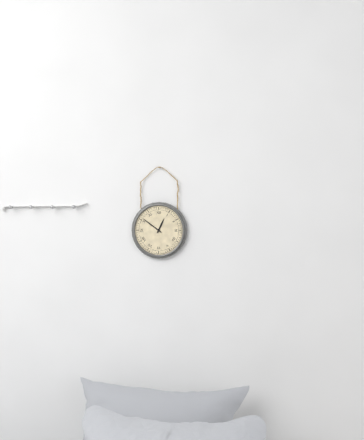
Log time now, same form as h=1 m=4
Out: h=12 m=51
